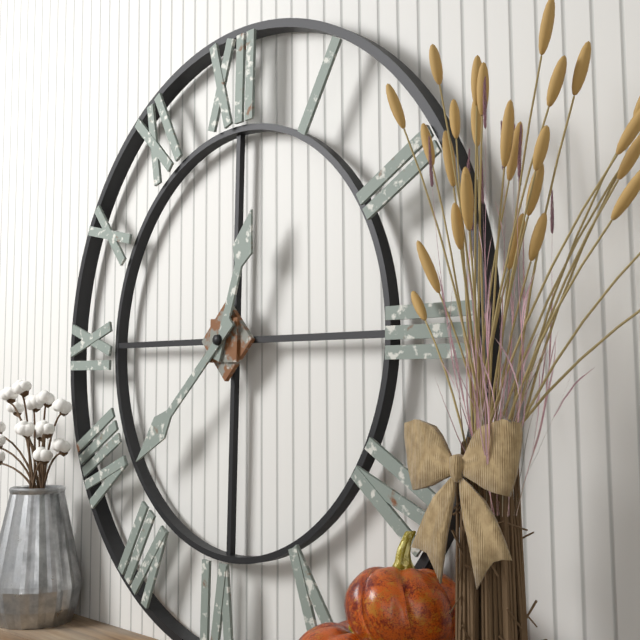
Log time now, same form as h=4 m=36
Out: h=12 m=38
